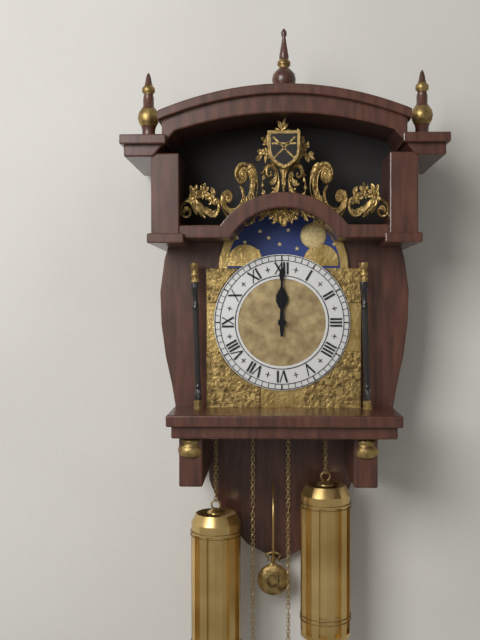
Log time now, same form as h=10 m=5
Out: h=12 m=0
